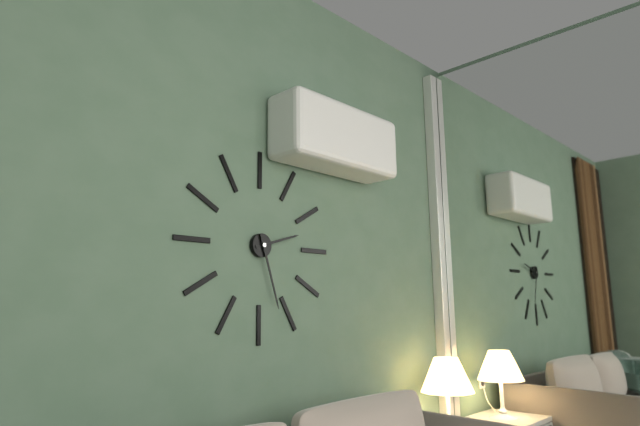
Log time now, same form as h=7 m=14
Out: h=2 m=27
